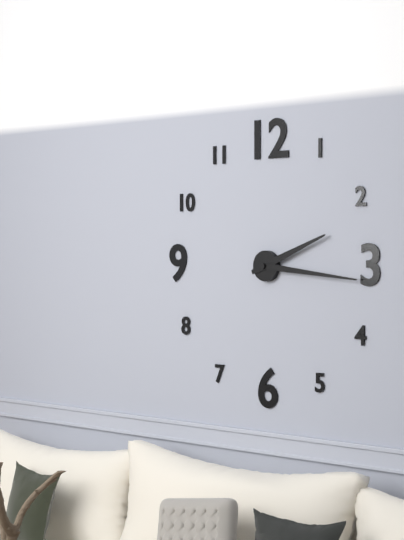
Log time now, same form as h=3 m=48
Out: h=2 m=16
